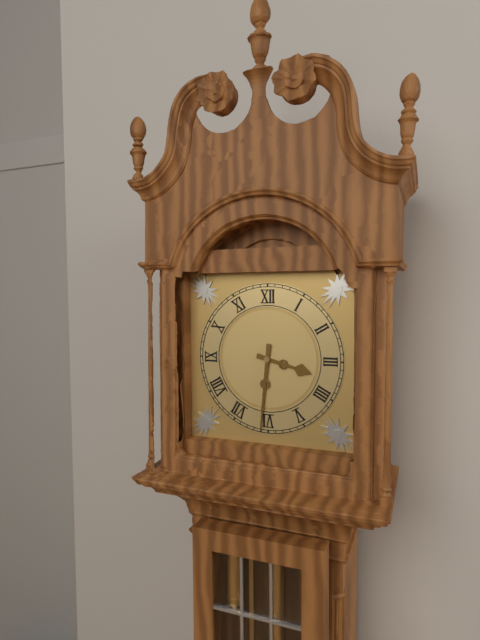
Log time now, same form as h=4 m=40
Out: h=3 m=31
